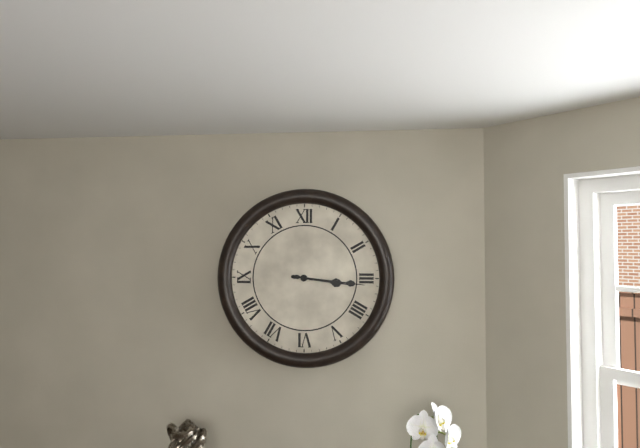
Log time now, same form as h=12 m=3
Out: h=3 m=16
